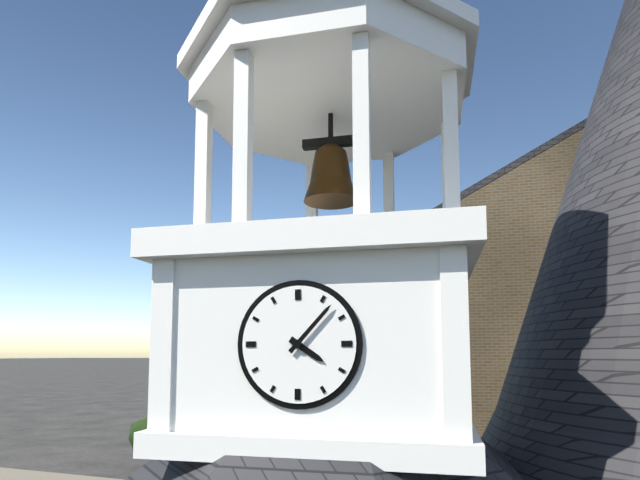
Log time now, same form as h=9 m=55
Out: h=4 m=7
